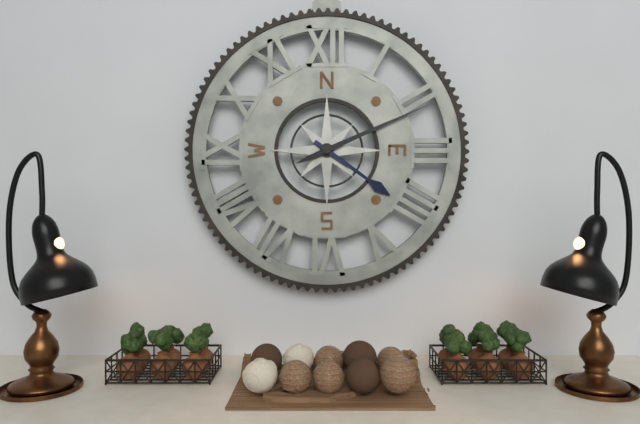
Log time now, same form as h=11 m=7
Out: h=4 m=11
